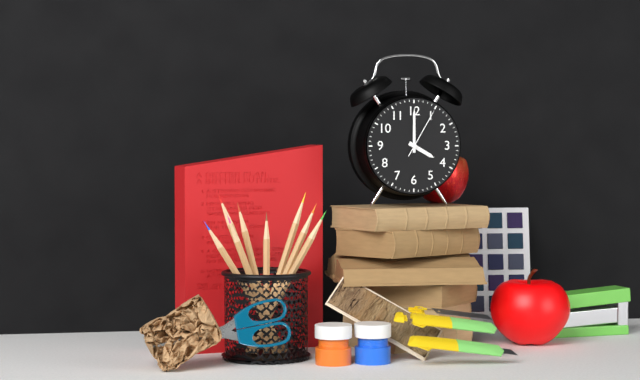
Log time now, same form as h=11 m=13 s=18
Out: h=4 m=0 s=5
